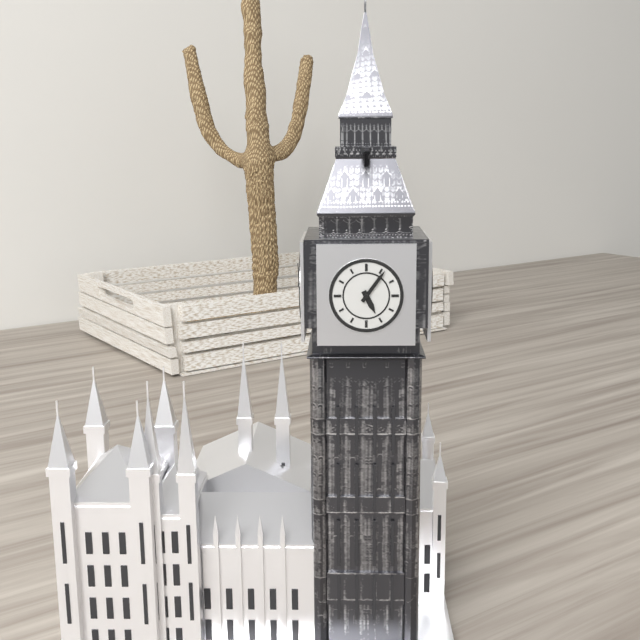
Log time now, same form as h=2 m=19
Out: h=5 m=6
